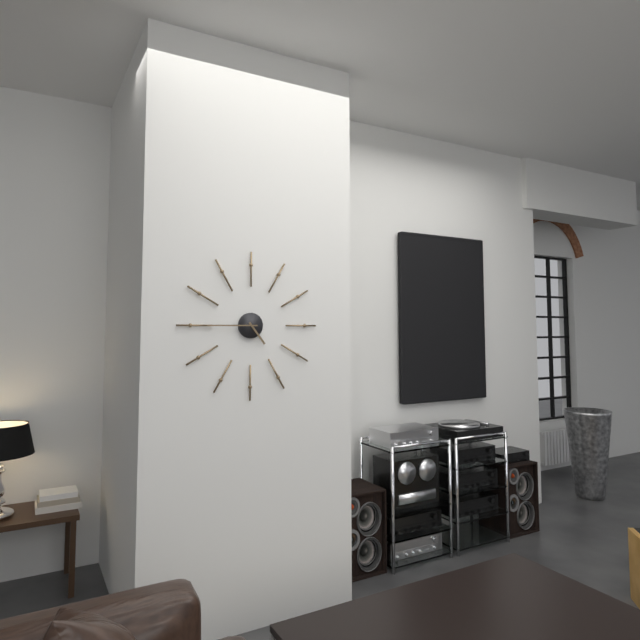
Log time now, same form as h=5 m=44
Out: h=4 m=45
